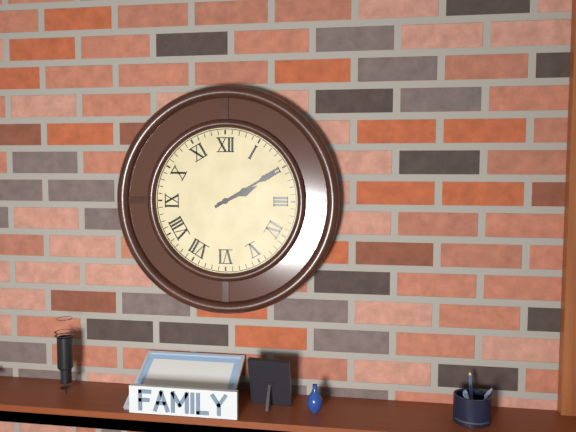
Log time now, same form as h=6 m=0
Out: h=2 m=10
